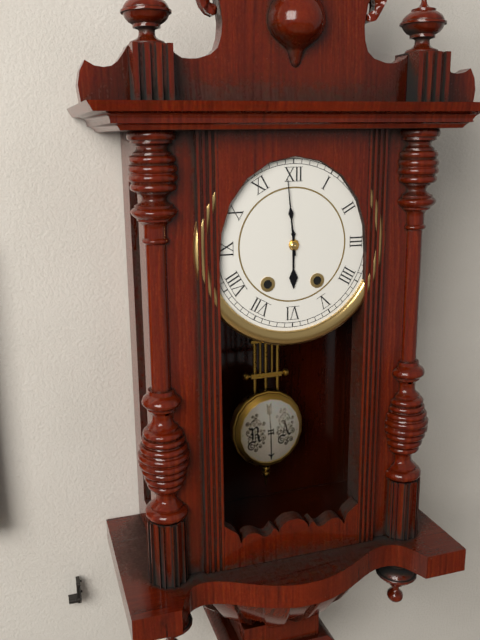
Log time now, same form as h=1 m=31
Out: h=5 m=59
